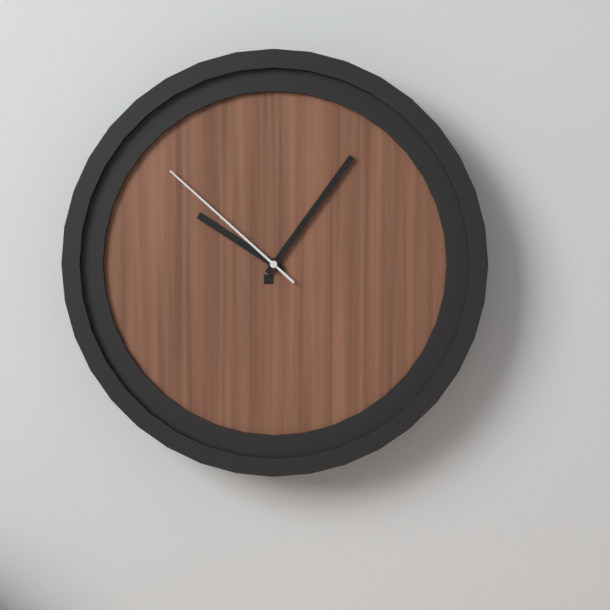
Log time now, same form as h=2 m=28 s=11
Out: h=10 m=6 s=52
